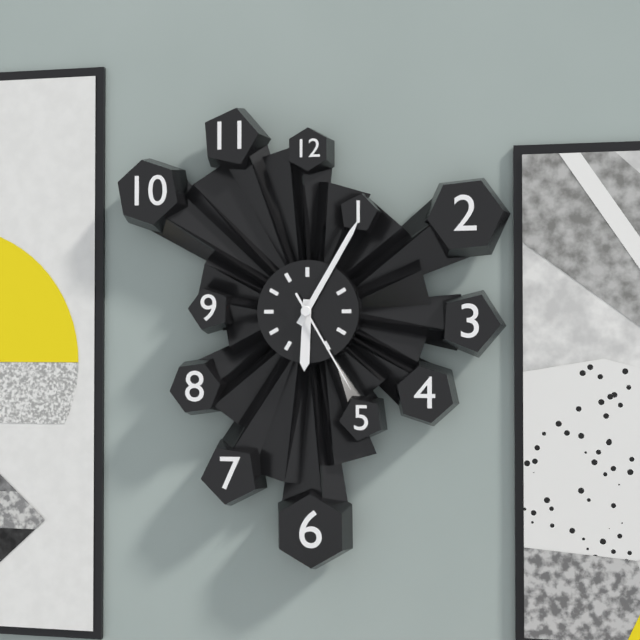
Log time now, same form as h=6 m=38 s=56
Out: h=6 m=5 s=25
